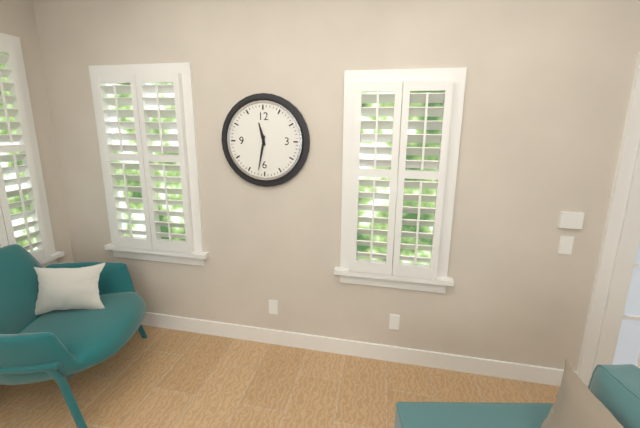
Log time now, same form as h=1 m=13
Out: h=11 m=32
